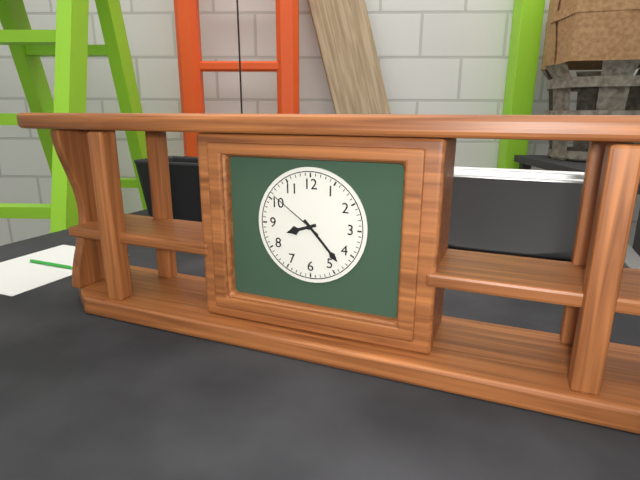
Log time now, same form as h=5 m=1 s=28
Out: h=8 m=23 s=51
